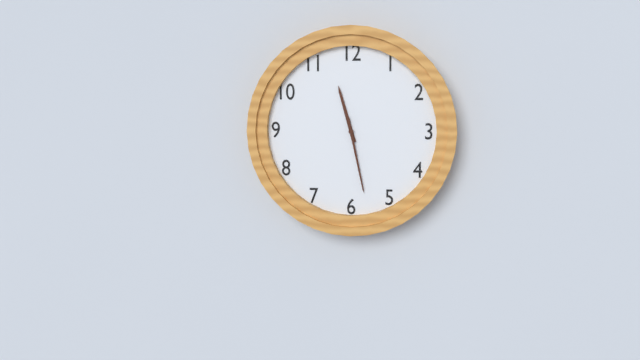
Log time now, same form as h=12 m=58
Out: h=11 m=28
